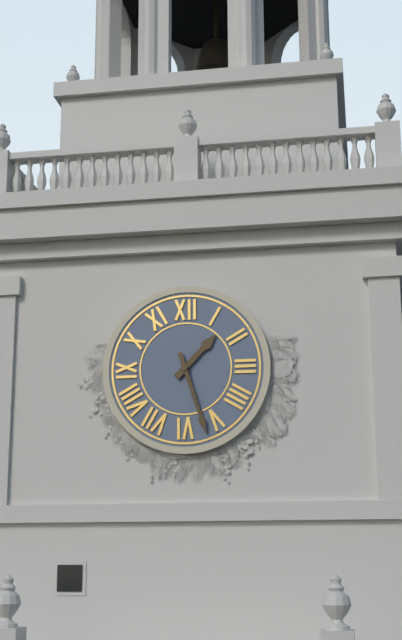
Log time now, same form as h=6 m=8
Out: h=1 m=27
